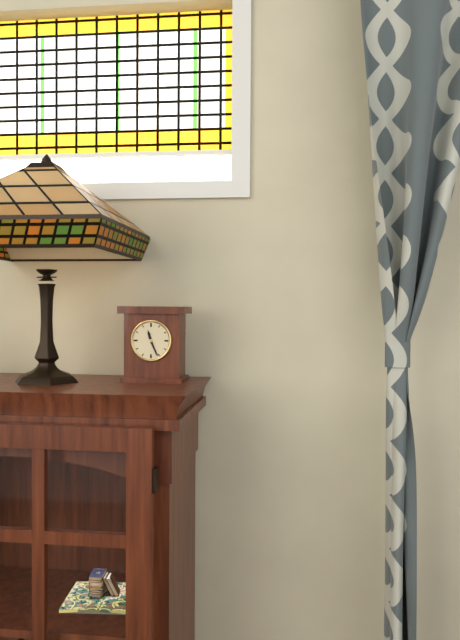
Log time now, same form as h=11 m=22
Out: h=11 m=26
